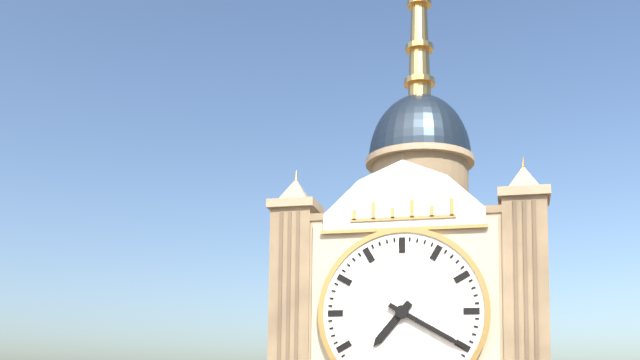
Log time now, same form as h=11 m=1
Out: h=7 m=20
